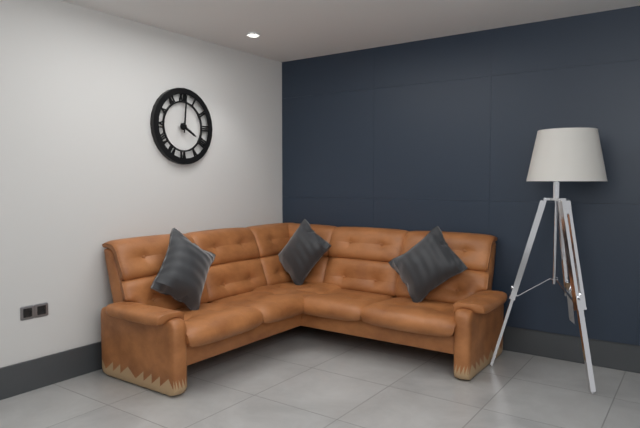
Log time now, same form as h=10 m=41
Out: h=4 m=1
